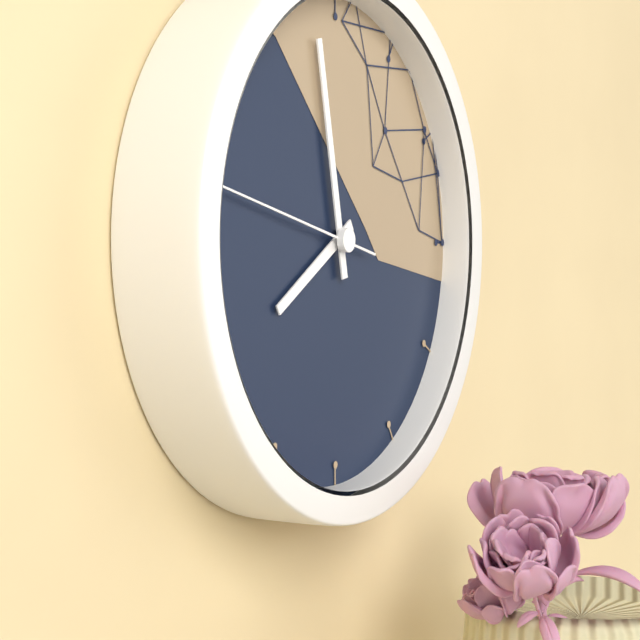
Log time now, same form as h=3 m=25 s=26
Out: h=7 m=58 s=47
